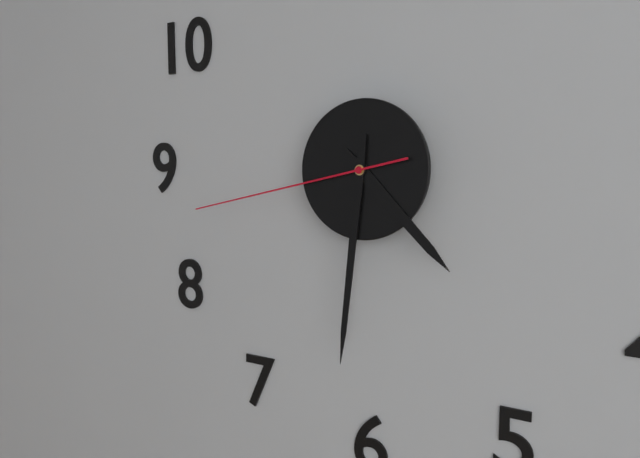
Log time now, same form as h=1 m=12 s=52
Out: h=4 m=31 s=43
